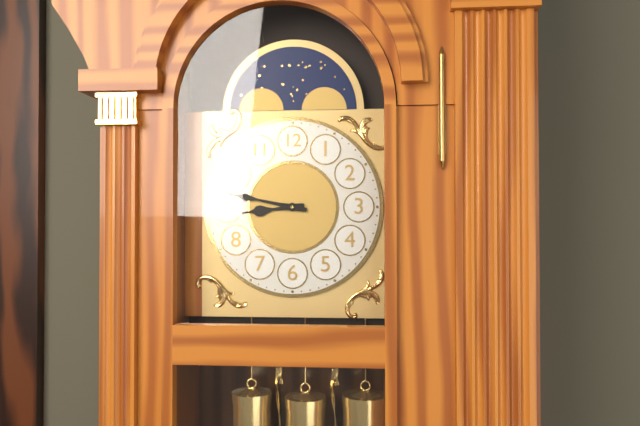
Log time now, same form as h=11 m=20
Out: h=8 m=47
